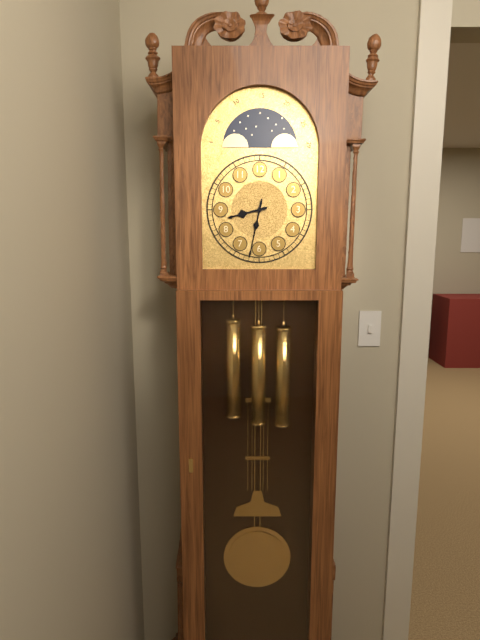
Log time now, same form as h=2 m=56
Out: h=8 m=32
